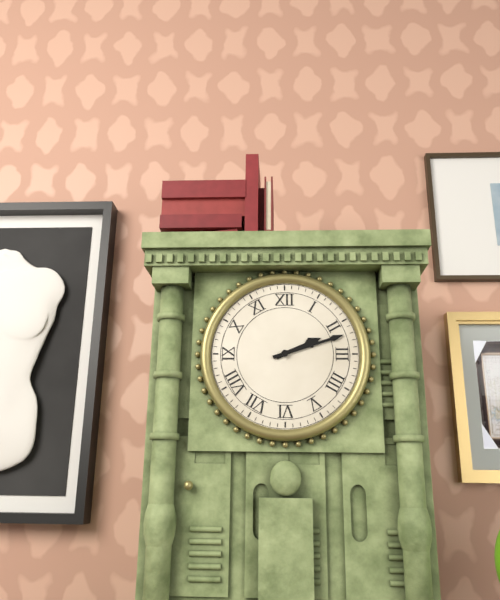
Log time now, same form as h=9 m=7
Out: h=2 m=12
